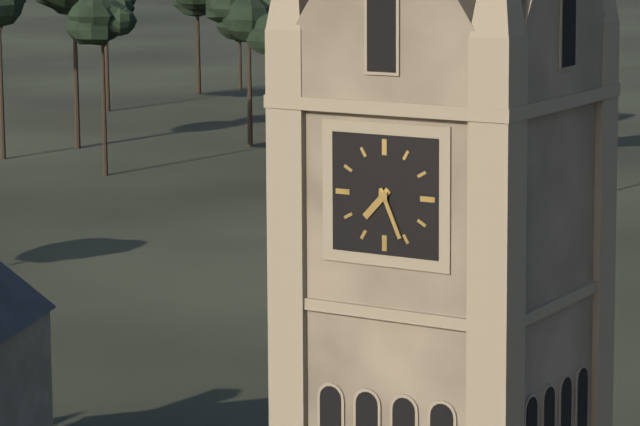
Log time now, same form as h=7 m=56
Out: h=7 m=26
